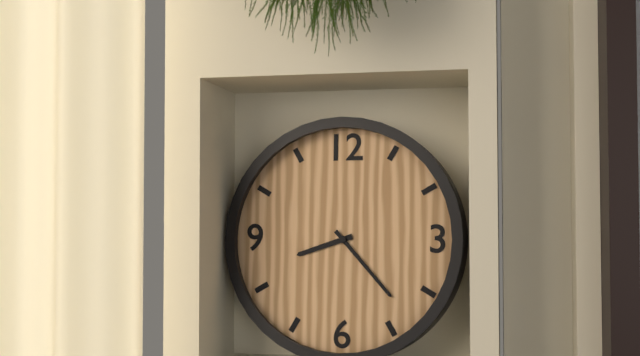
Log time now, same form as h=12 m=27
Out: h=8 m=23
